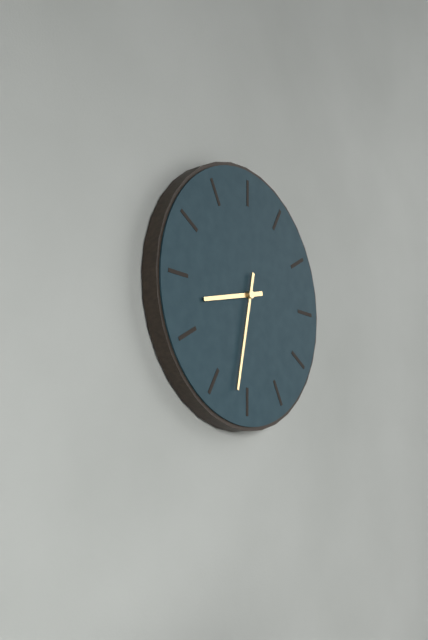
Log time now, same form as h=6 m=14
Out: h=8 m=32
